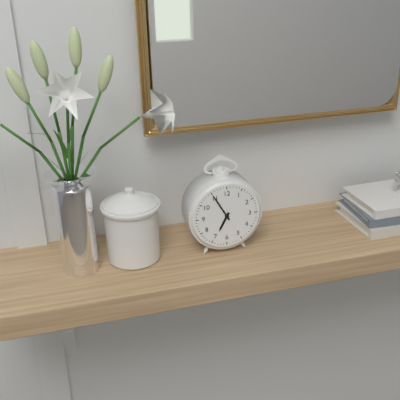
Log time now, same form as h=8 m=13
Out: h=6 m=55
